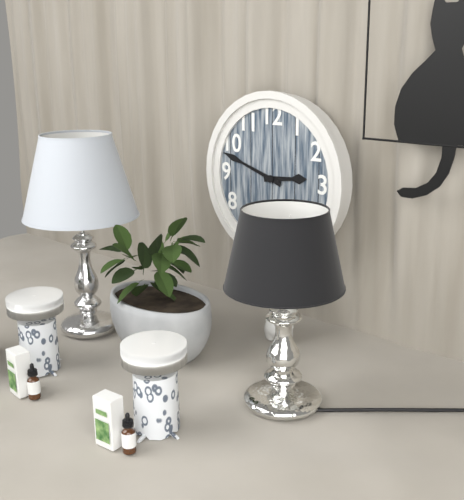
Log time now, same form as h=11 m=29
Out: h=2 m=48
